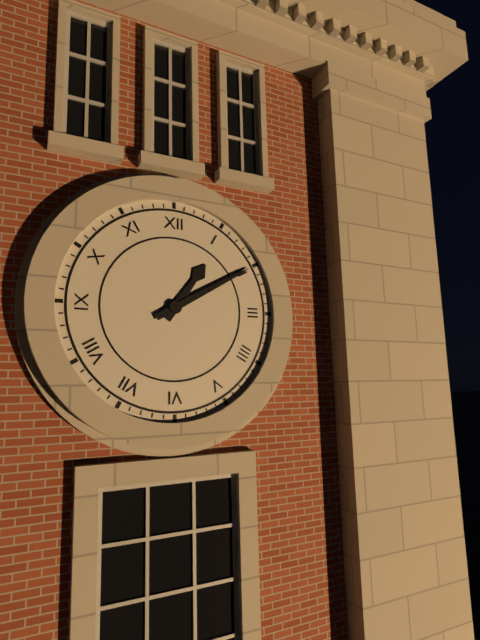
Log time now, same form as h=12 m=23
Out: h=1 m=10
